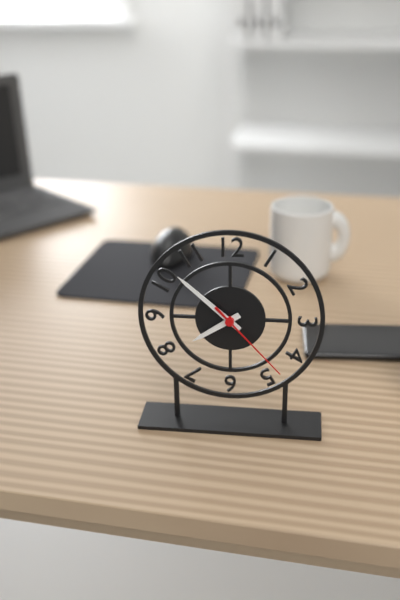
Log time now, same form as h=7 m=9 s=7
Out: h=7 m=52 s=23
